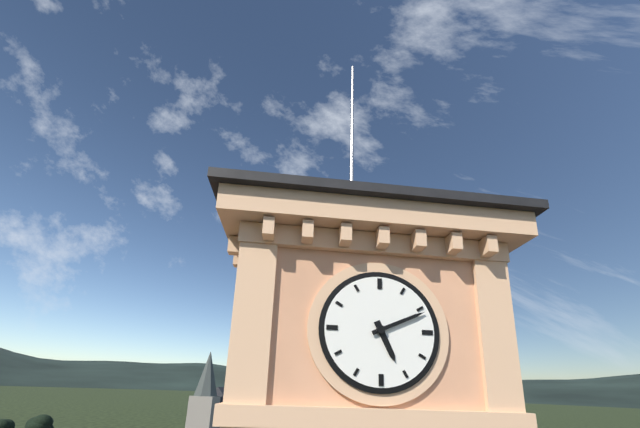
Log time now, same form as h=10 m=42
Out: h=5 m=11
